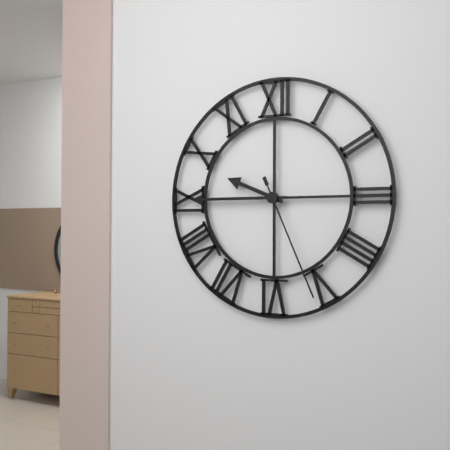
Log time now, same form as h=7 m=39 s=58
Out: h=9 m=45 s=26
